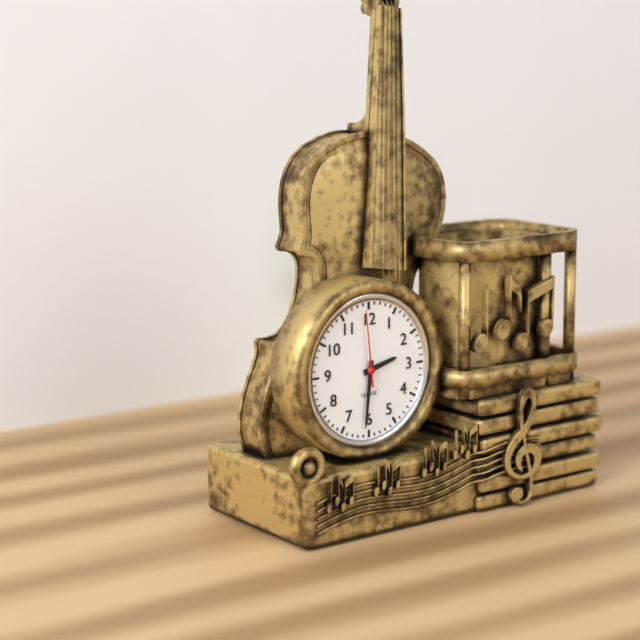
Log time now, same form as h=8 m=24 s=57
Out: h=2 m=31 s=59
